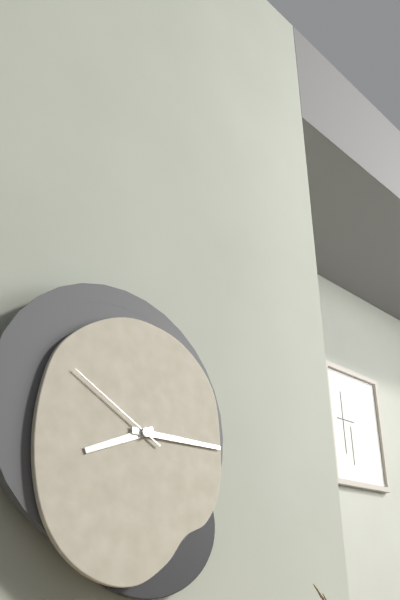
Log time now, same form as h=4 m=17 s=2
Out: h=8 m=15 s=50
